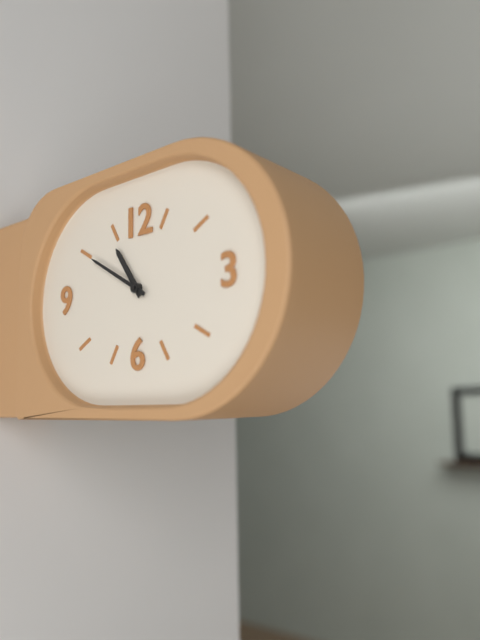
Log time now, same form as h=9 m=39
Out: h=10 m=50
